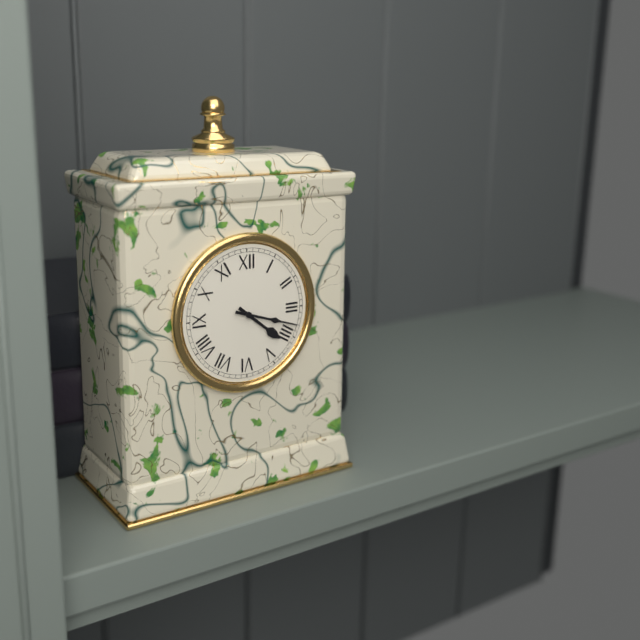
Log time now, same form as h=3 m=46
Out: h=4 m=18
